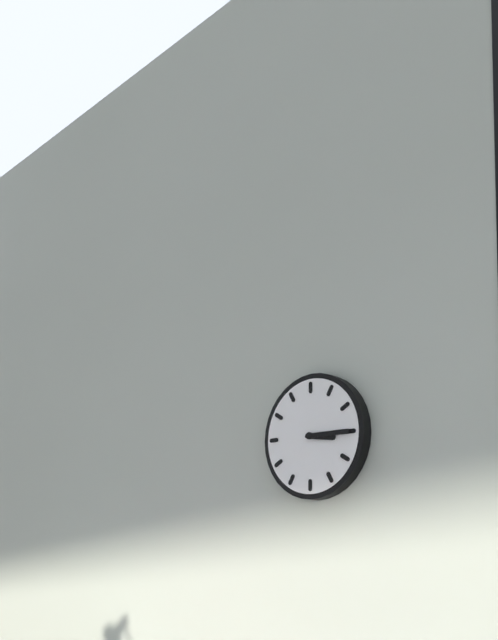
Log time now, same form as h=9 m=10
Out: h=3 m=15
